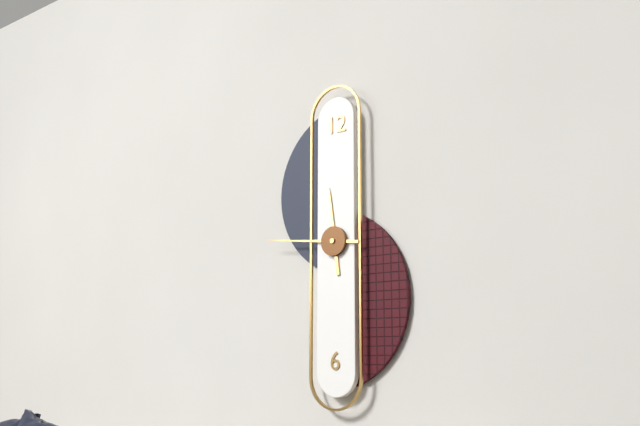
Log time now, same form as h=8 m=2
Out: h=11 m=46
